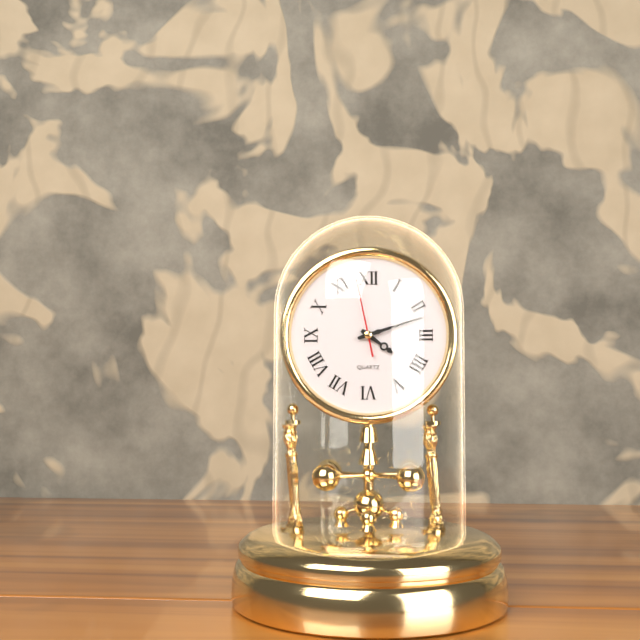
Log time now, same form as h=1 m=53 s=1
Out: h=4 m=12 s=58
